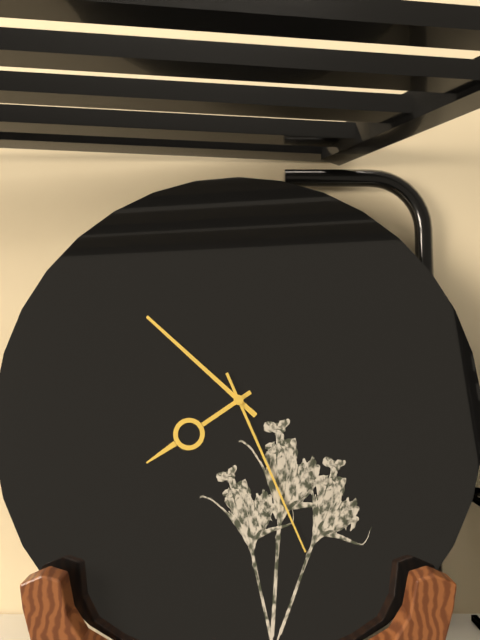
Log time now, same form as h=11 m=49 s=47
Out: h=7 m=52 s=26
